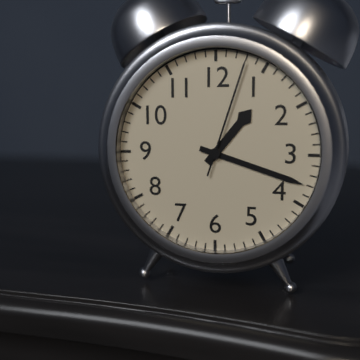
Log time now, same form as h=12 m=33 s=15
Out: h=1 m=18 s=3
